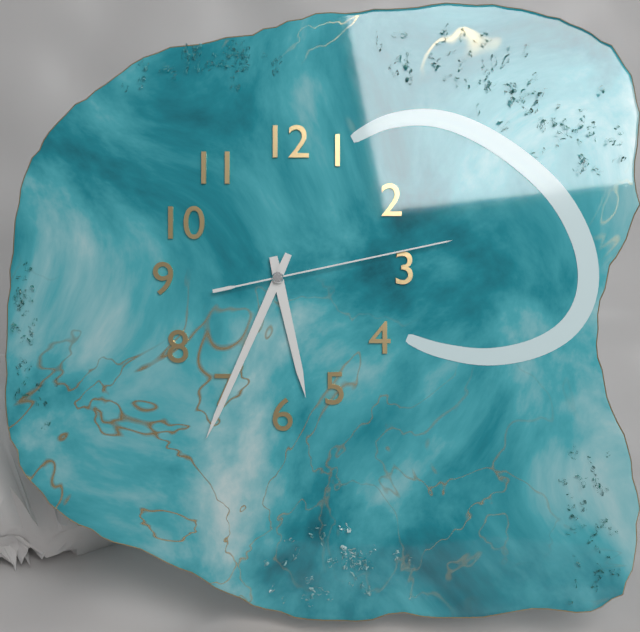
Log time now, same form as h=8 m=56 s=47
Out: h=5 m=34 s=13
